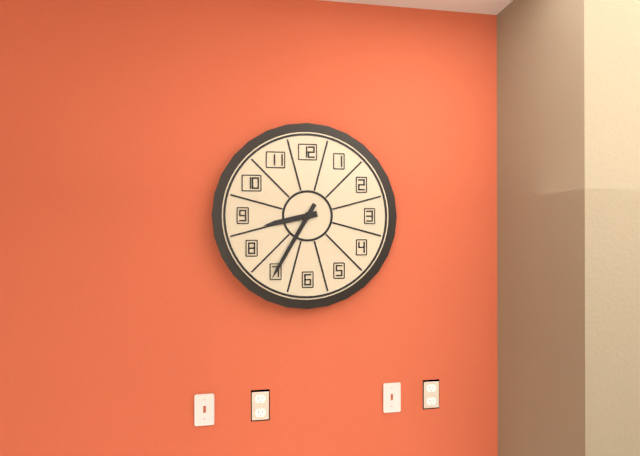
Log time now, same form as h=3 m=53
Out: h=8 m=35
